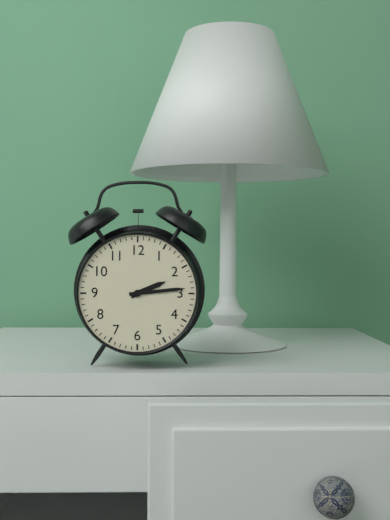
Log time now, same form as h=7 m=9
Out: h=2 m=14
